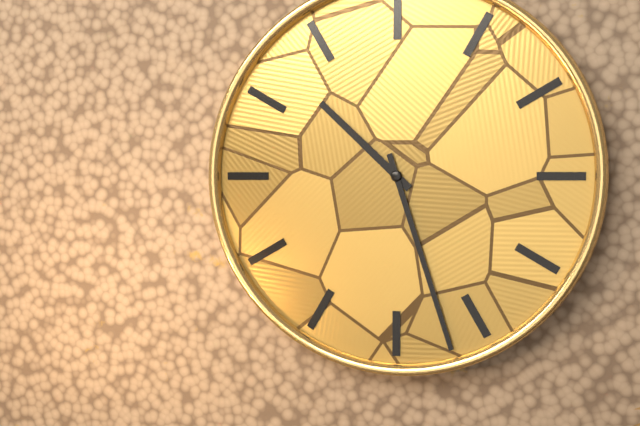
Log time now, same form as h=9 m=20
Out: h=10 m=27
